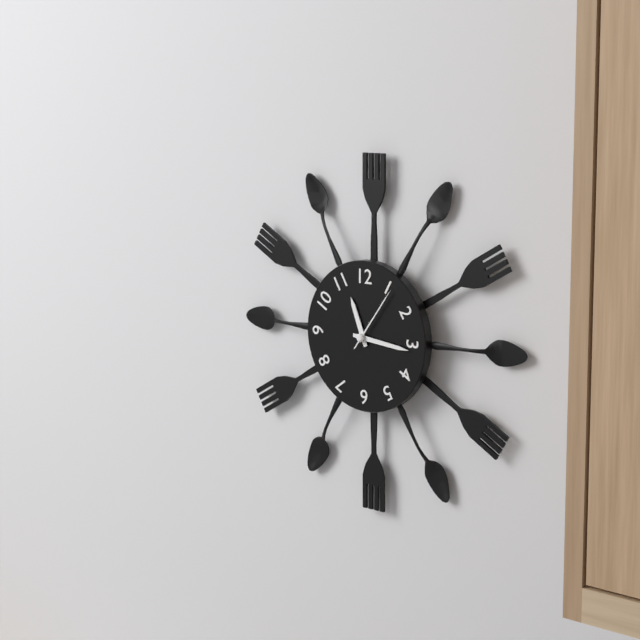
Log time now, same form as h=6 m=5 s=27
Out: h=11 m=16 s=6
